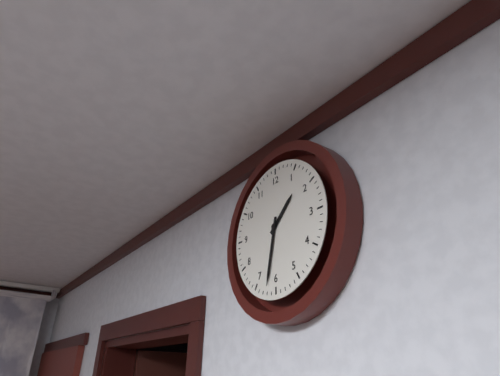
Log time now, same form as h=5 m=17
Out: h=1 m=32
